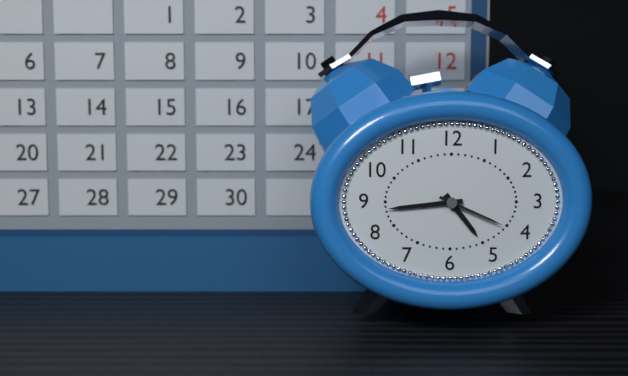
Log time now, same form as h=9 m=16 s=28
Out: h=4 m=44 s=19
